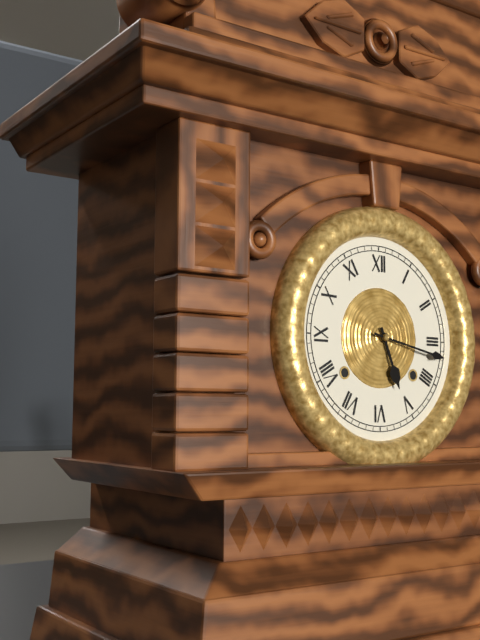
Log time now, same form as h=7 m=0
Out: h=5 m=17
